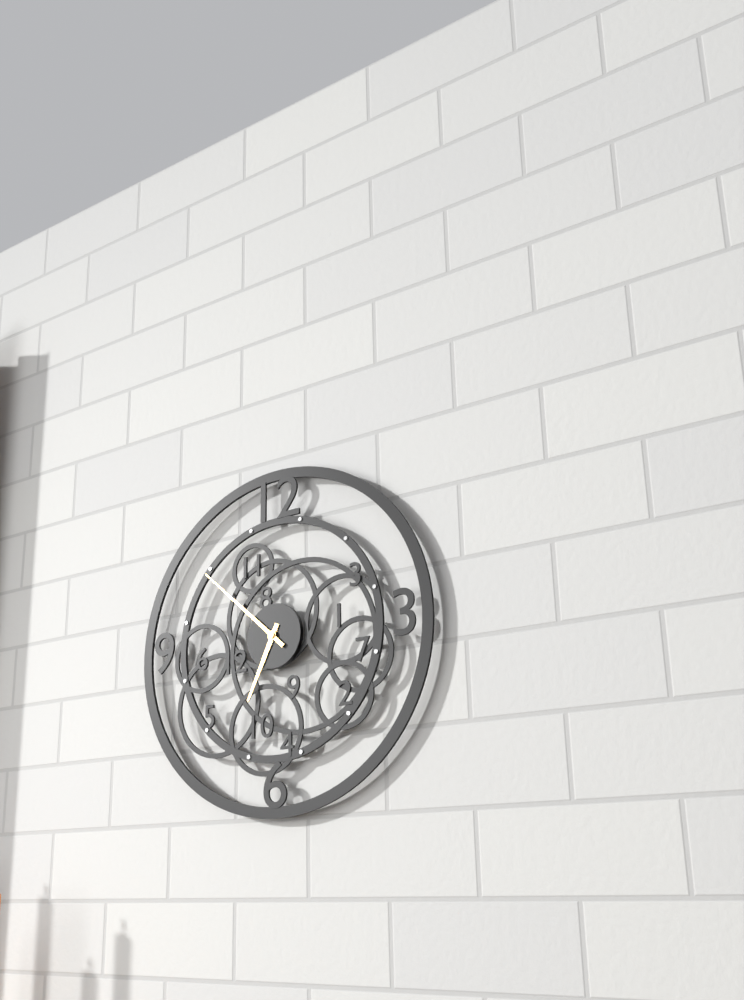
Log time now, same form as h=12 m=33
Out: h=6 m=52
